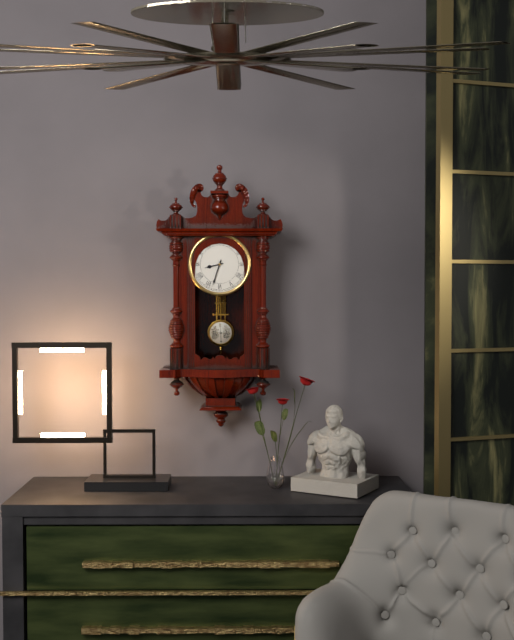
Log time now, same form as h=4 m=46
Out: h=8 m=33
